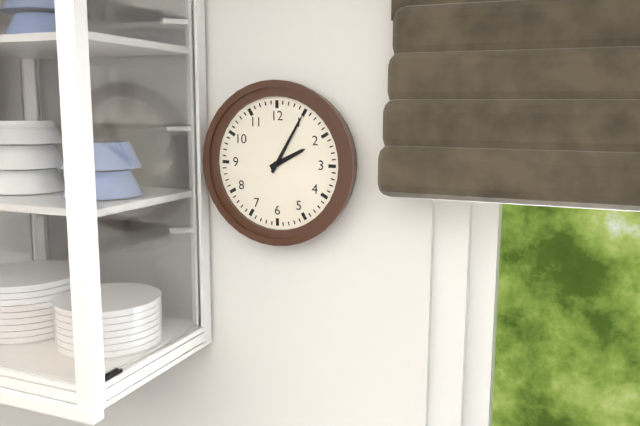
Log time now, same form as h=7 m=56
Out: h=2 m=5
